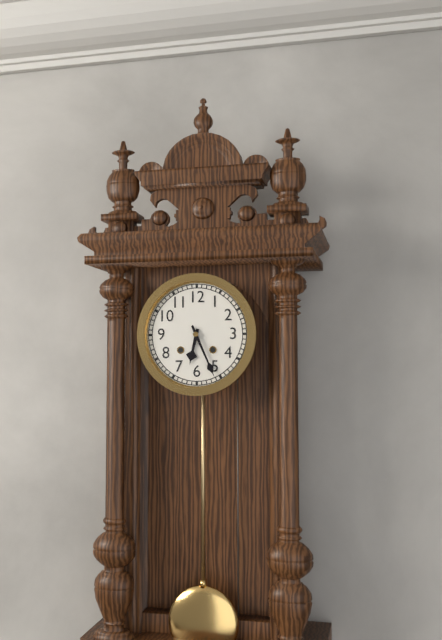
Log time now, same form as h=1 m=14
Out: h=6 m=26
